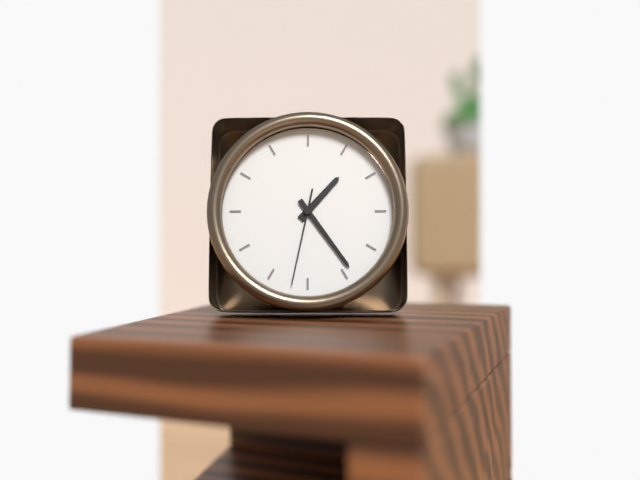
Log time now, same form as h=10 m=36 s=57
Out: h=1 m=24 s=32
